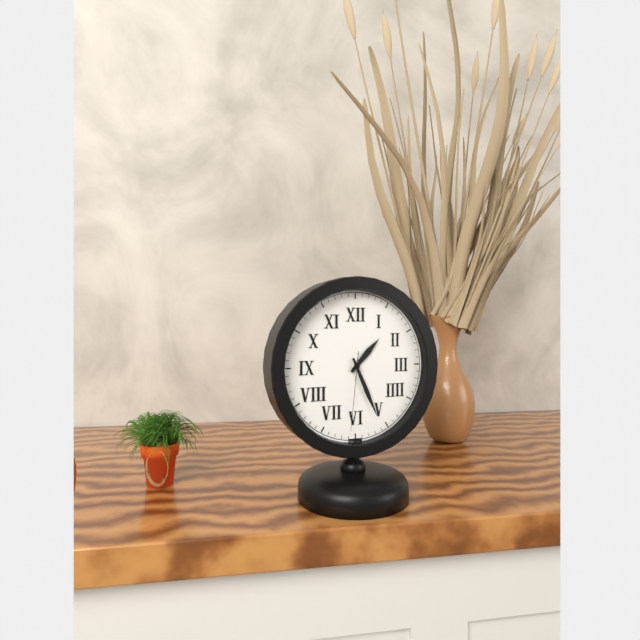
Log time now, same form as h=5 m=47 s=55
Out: h=1 m=26 s=31
